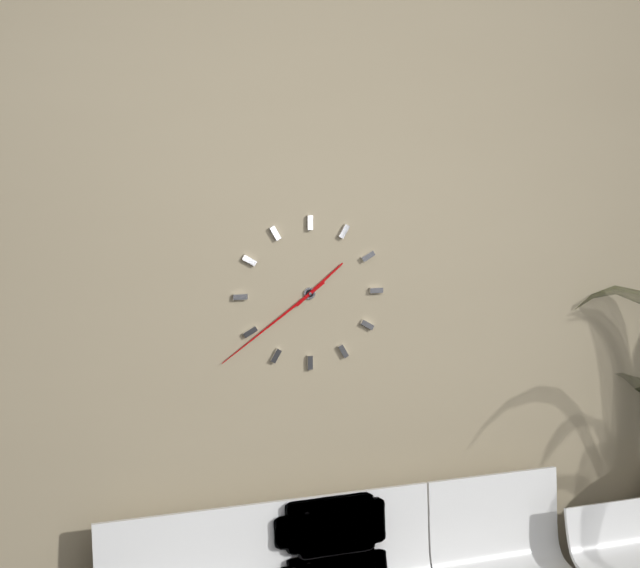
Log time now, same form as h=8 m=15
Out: h=1 m=39
